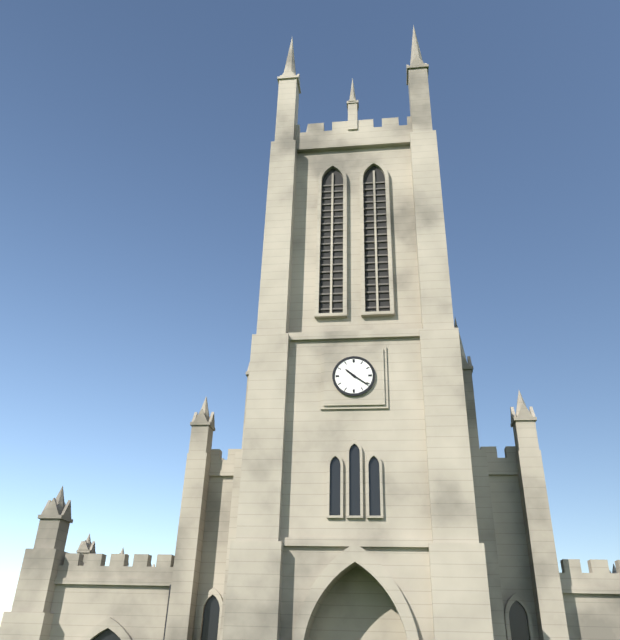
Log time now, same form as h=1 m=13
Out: h=10 m=21
